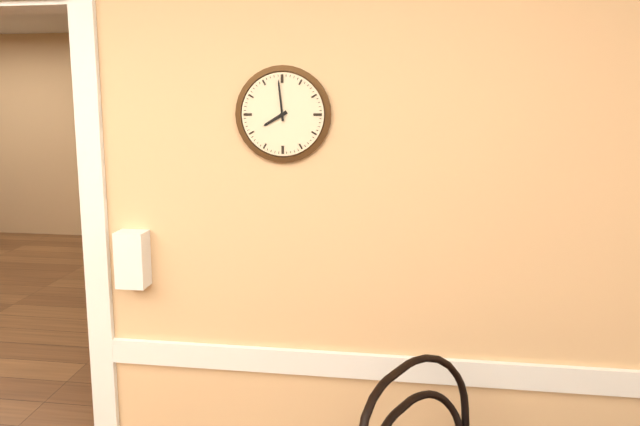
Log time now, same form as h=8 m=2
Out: h=7 m=59
